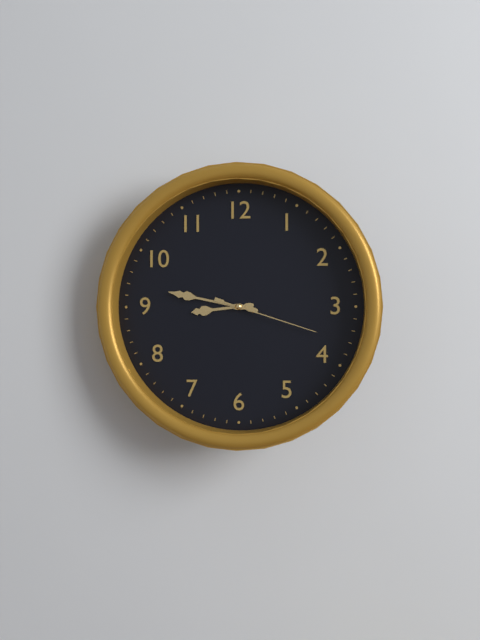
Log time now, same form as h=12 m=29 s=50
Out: h=8 m=47 s=18
